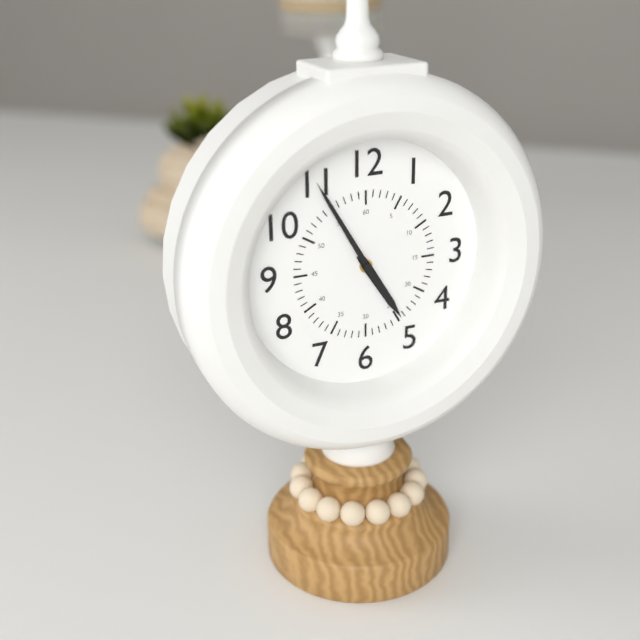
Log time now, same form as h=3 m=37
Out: h=4 m=55
